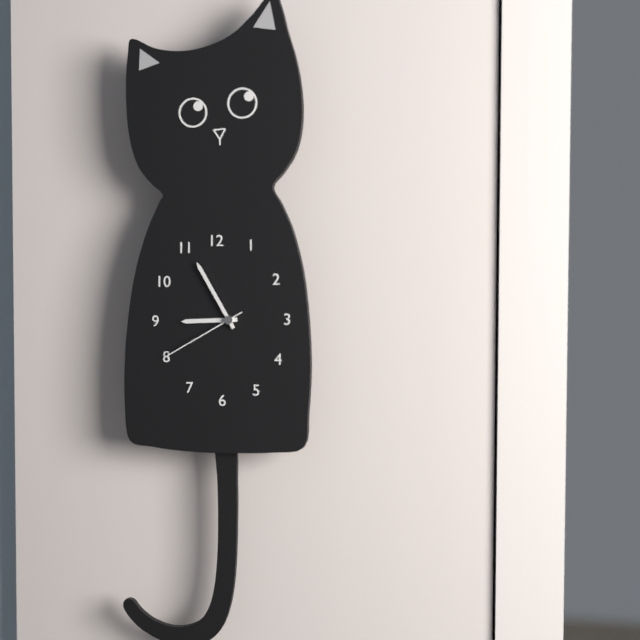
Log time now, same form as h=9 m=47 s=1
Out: h=8 m=55 s=40
